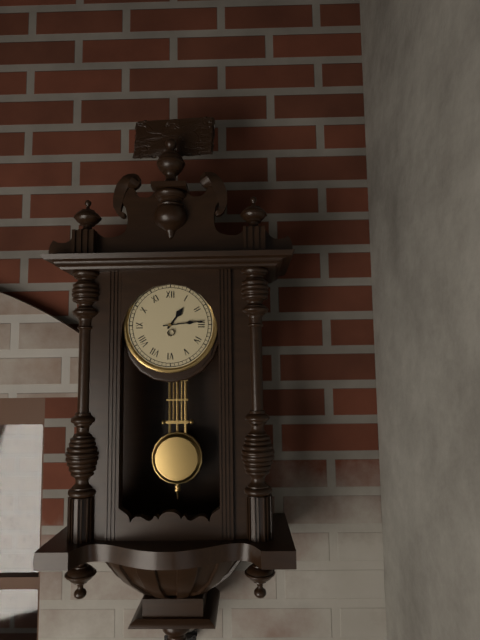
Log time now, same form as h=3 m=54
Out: h=1 m=14
